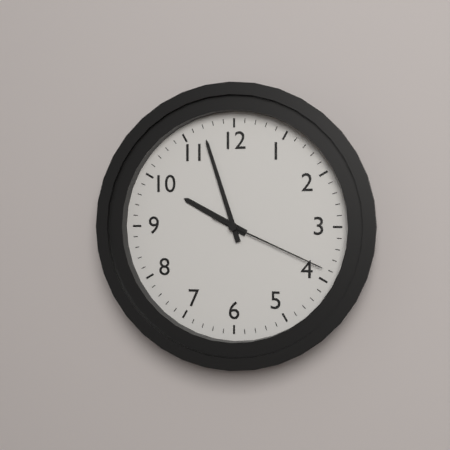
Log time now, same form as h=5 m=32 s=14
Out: h=9 m=57 s=19
